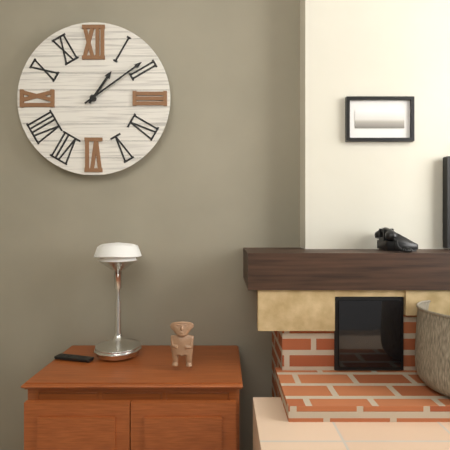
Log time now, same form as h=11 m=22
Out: h=1 m=9
